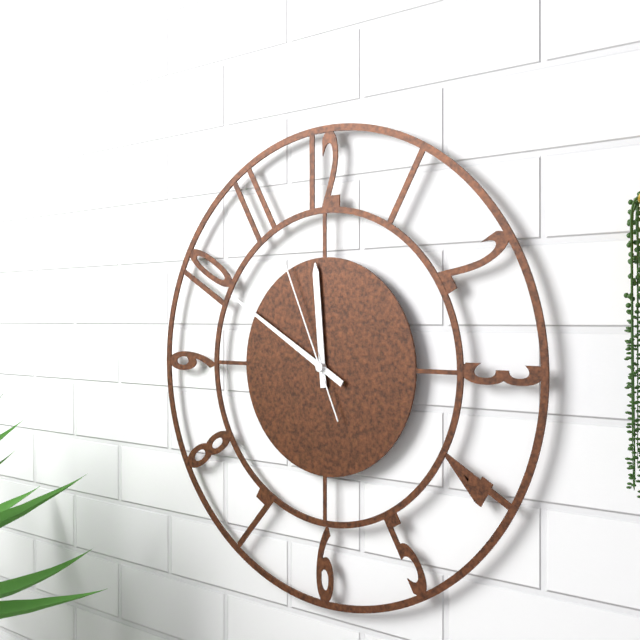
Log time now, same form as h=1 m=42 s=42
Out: h=11 m=50 s=56
